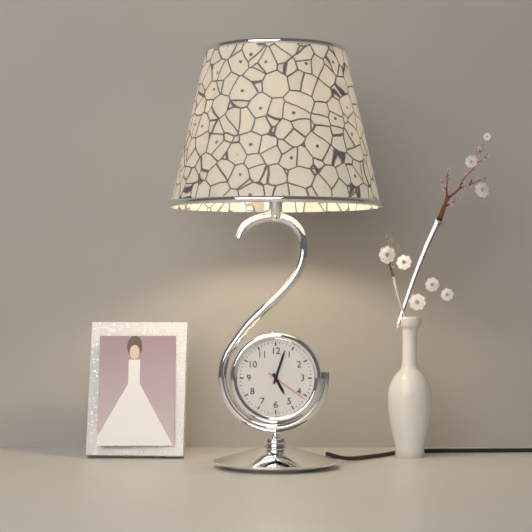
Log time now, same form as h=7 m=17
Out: h=5 m=3
